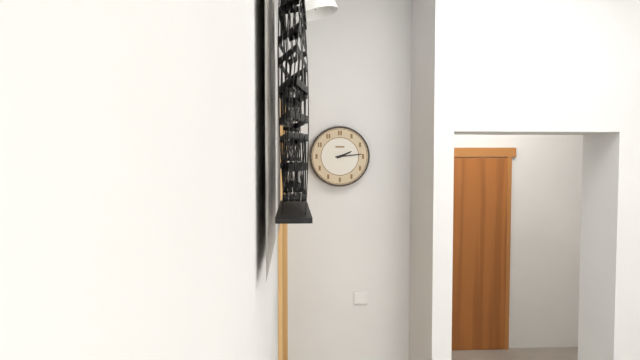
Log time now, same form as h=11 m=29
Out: h=2 m=14
